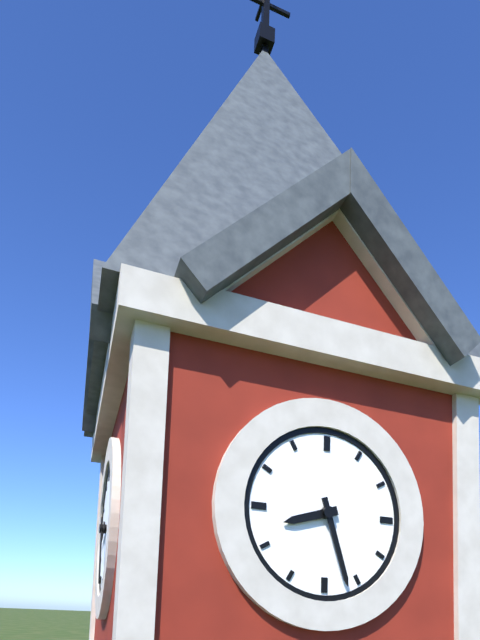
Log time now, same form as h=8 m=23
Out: h=8 m=27
